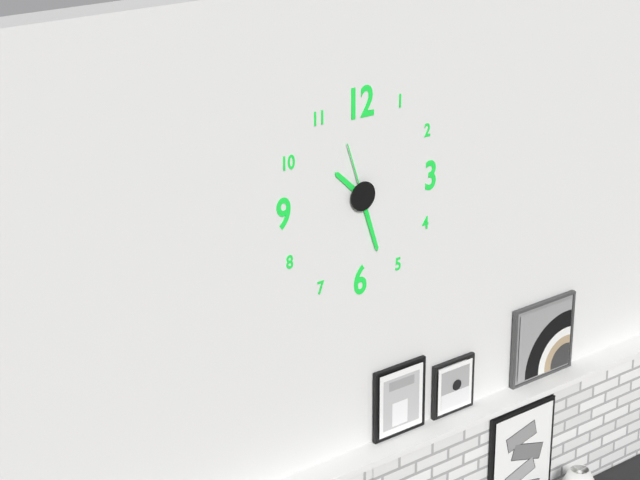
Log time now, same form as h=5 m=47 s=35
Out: h=10 m=27 s=57
